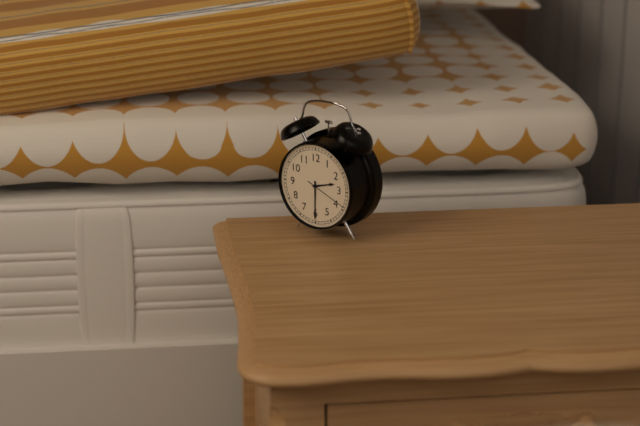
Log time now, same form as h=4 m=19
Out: h=2 m=30
